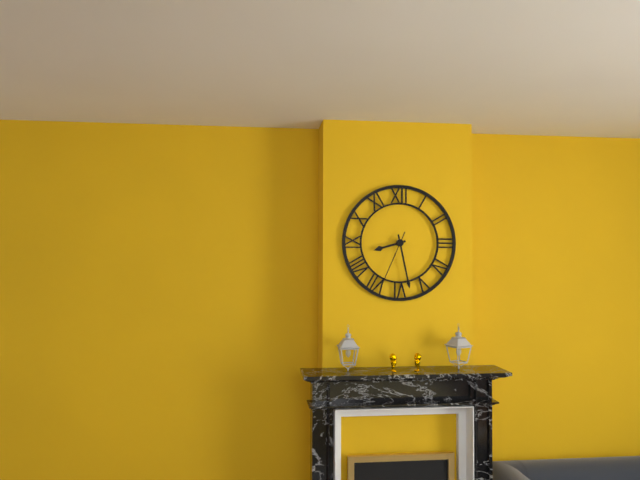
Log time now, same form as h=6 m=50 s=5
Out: h=8 m=28 s=34
